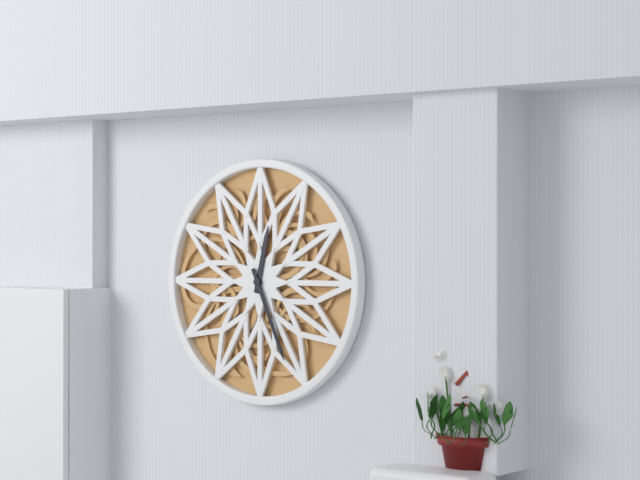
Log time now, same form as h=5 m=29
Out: h=12 m=26
